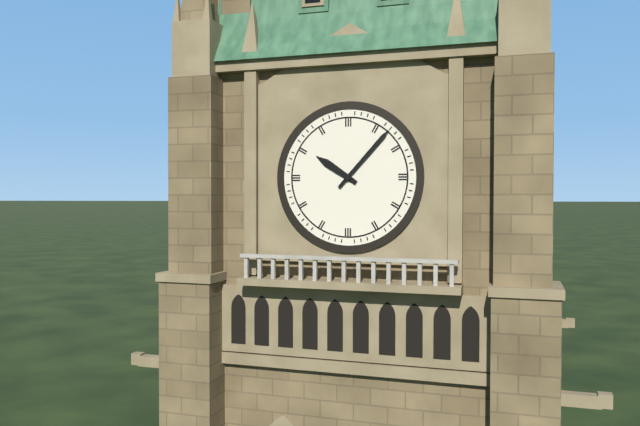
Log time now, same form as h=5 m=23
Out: h=10 m=7
